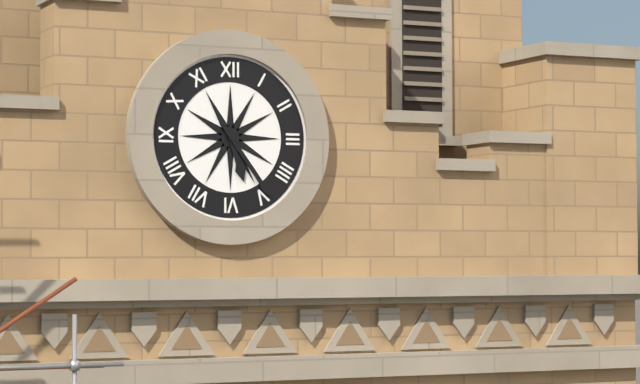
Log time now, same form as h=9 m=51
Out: h=5 m=24
